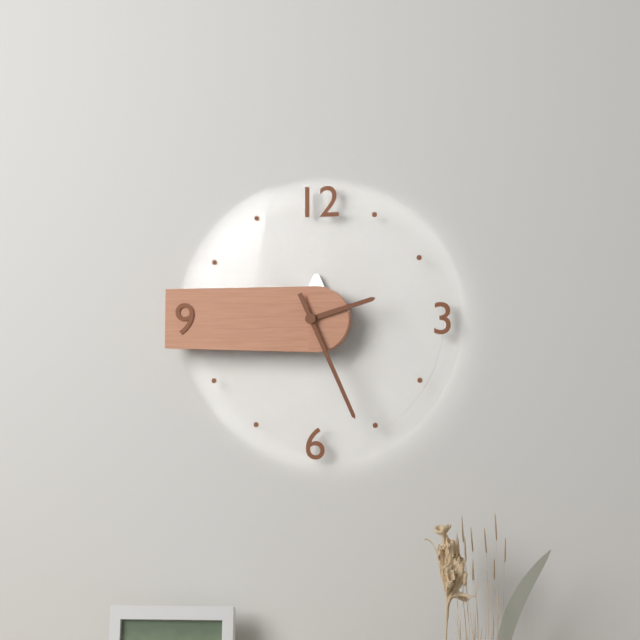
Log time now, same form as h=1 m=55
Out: h=2 m=26
